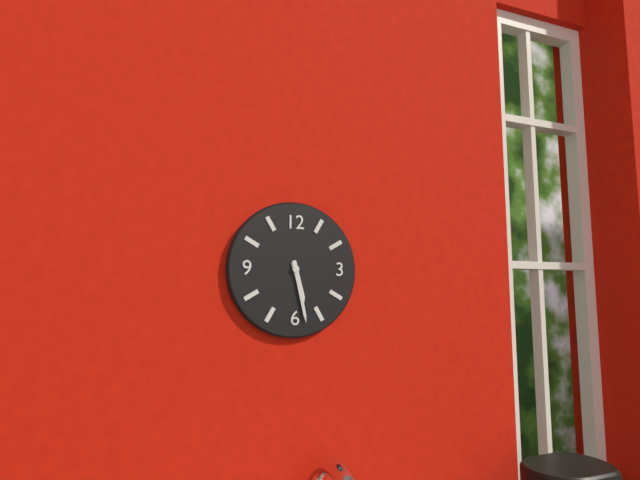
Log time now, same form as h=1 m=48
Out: h=5 m=28
